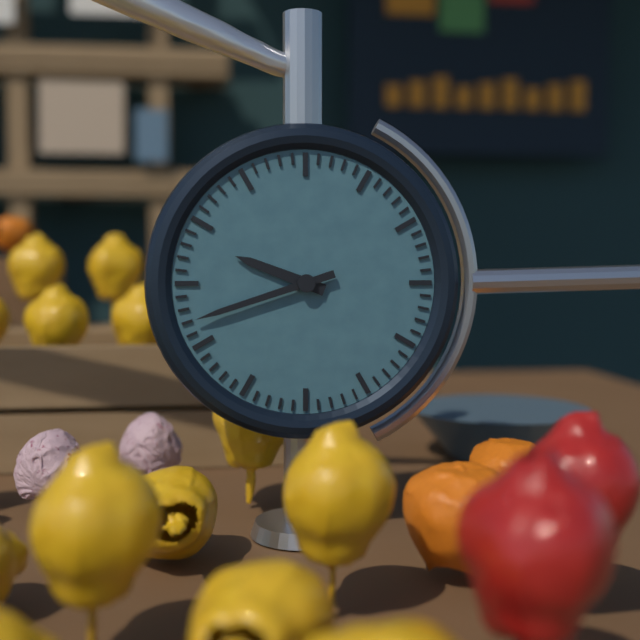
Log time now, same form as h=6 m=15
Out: h=9 m=42
